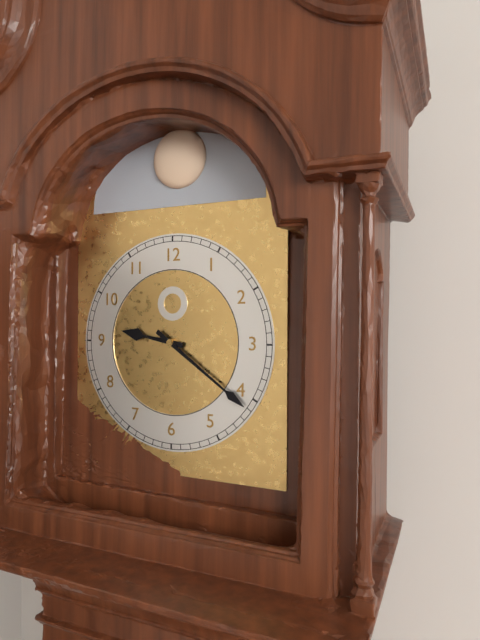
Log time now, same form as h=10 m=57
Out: h=9 m=21
